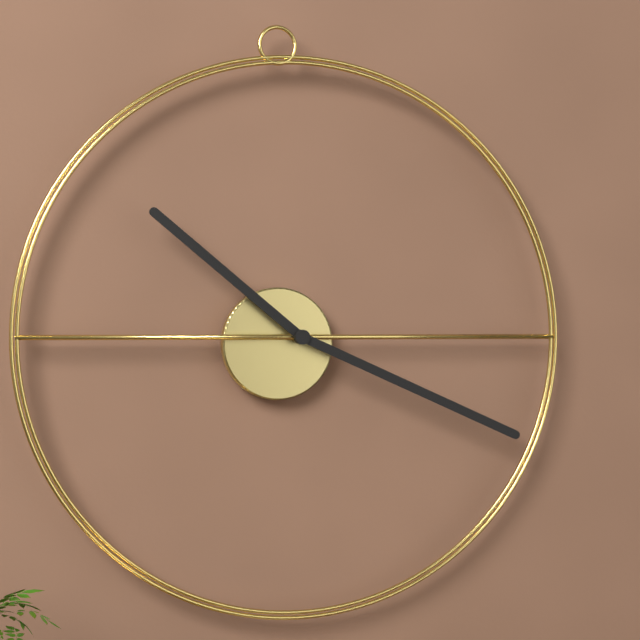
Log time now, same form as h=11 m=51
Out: h=10 m=19
